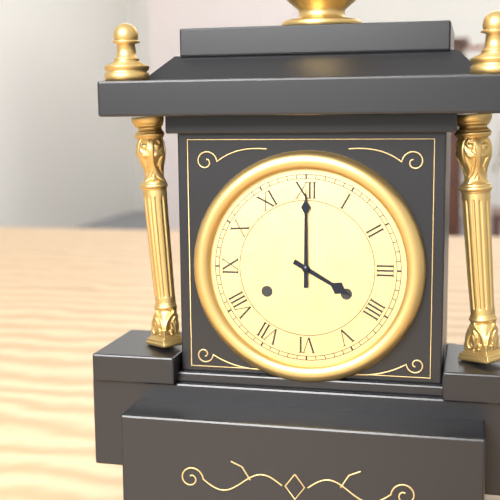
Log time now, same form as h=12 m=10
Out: h=4 m=0
